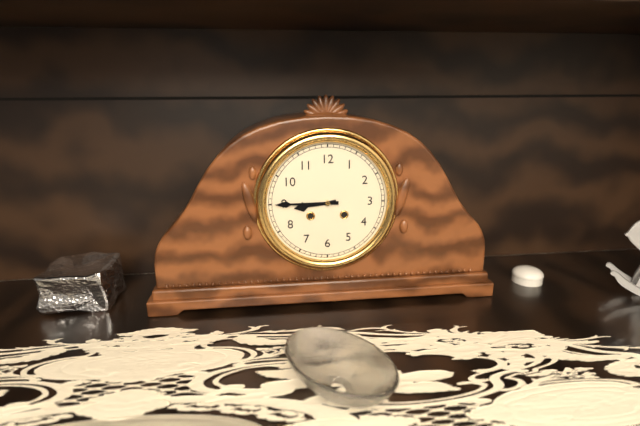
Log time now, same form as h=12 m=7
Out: h=8 m=45
